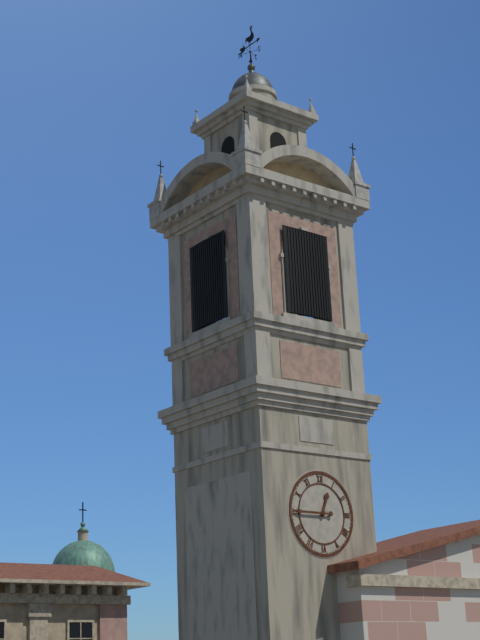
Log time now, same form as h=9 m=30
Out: h=12 m=45
